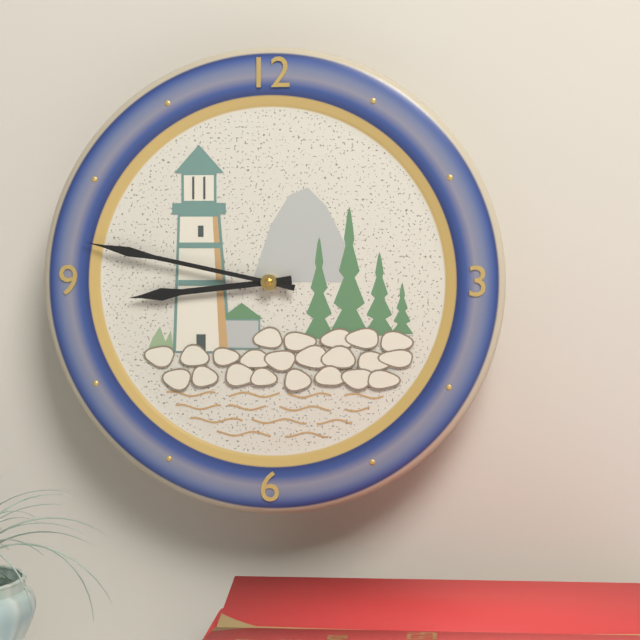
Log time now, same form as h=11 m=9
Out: h=8 m=47
